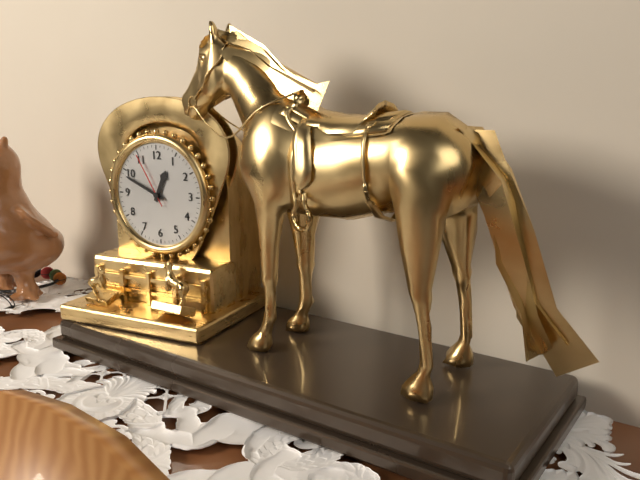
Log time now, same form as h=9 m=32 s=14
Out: h=12 m=49 s=55
